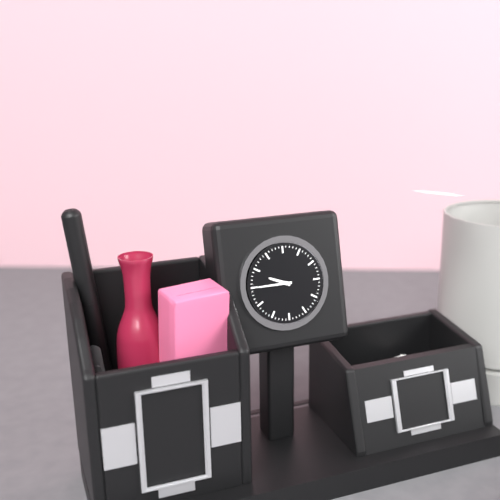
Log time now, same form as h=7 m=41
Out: h=9 m=45
